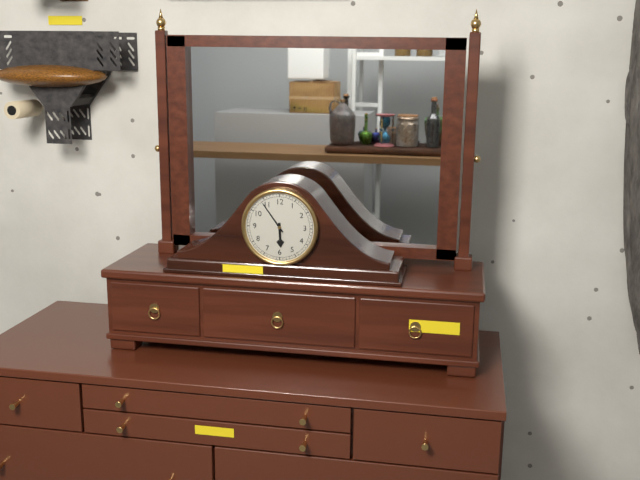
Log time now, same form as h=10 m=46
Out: h=5 m=54
